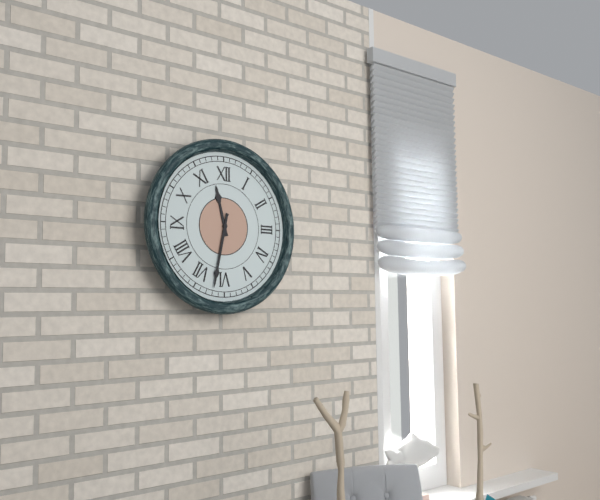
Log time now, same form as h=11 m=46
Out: h=11 m=32
